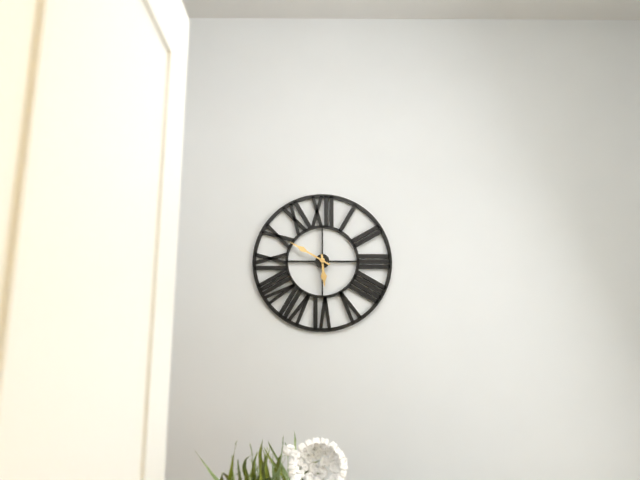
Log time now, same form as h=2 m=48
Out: h=5 m=50
